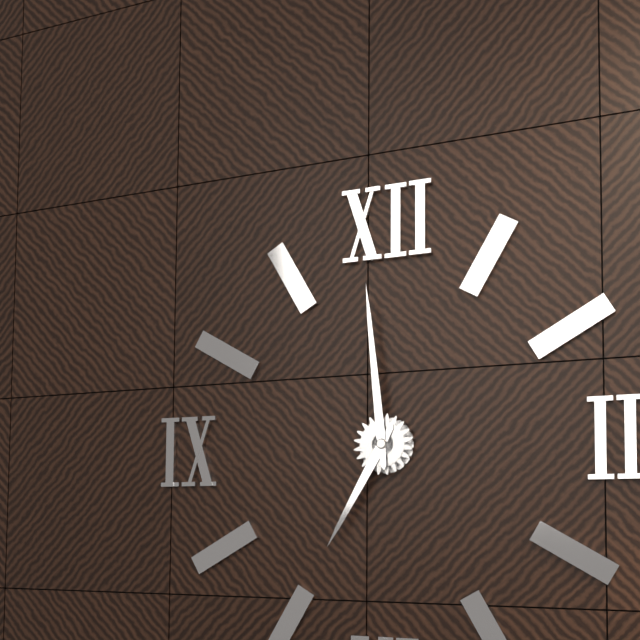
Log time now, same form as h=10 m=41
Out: h=6 m=59
